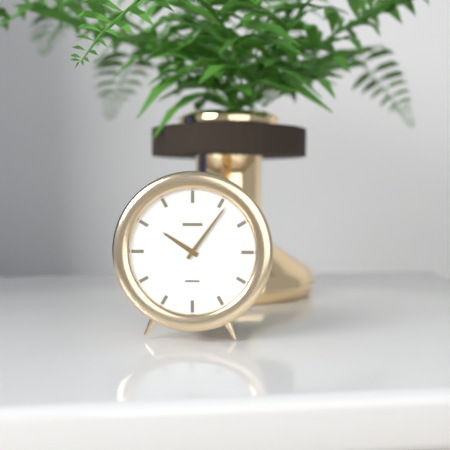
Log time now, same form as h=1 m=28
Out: h=10 m=6
